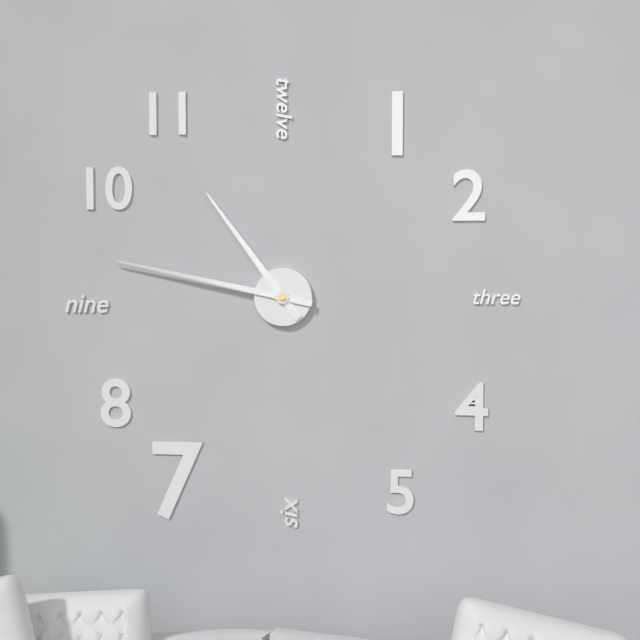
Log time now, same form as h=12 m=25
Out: h=10 m=47
